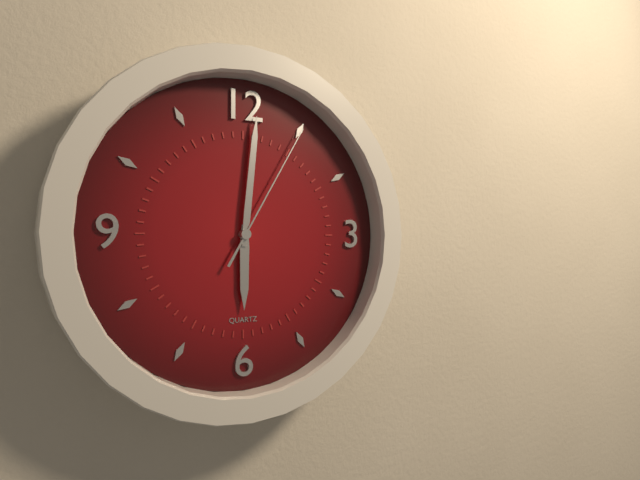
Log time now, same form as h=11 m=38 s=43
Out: h=6 m=1 s=5
